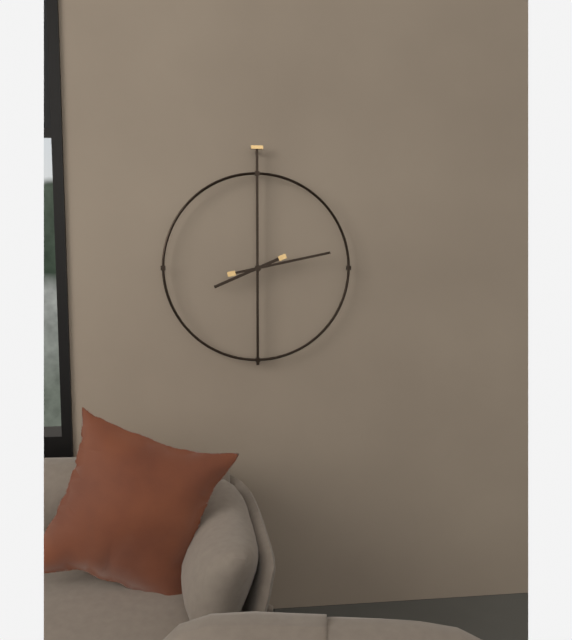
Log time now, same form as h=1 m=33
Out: h=8 m=13
